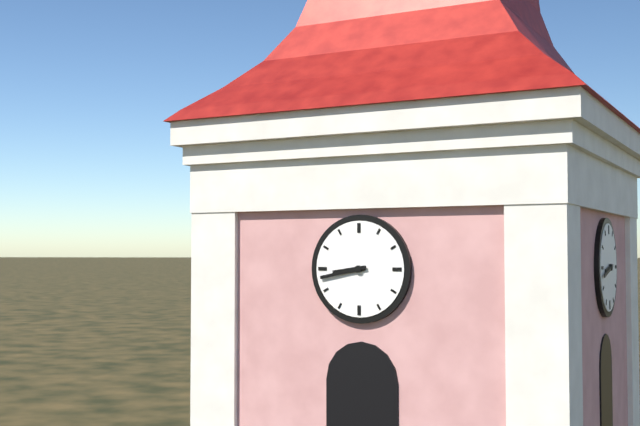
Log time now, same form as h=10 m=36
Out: h=8 m=43
